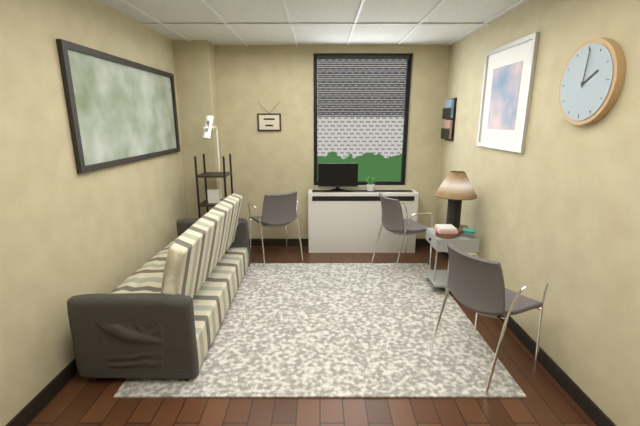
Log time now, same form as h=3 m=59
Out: h=2 m=1
